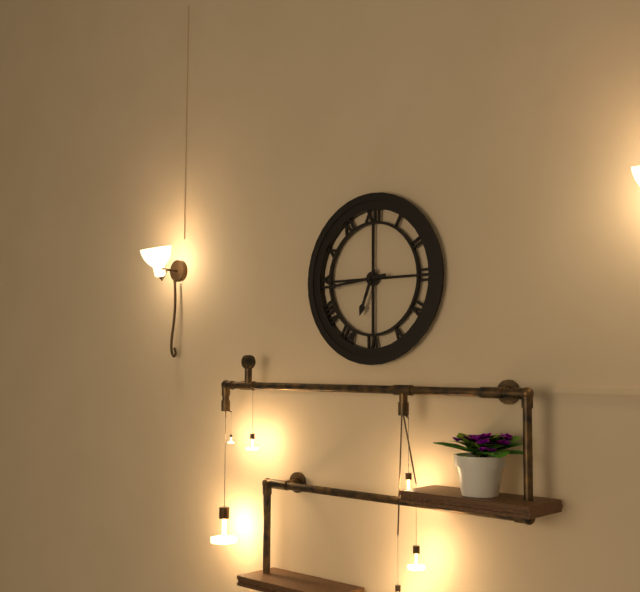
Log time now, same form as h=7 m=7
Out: h=6 m=44
